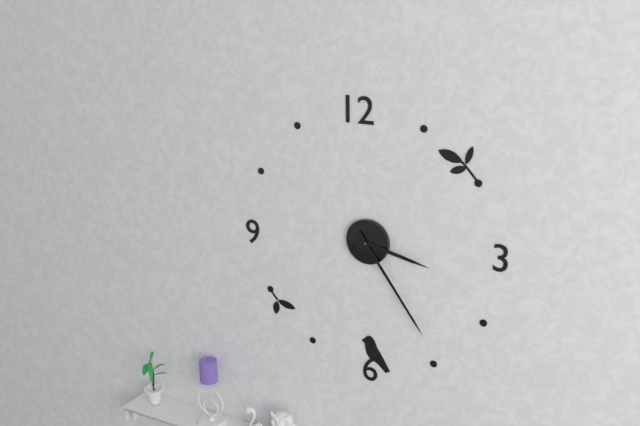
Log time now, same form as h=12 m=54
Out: h=3 m=24
